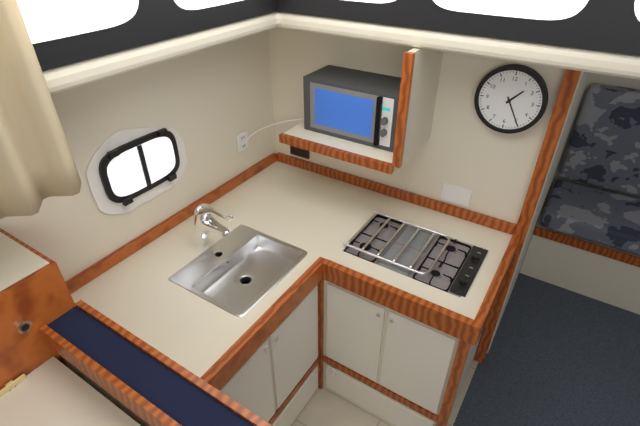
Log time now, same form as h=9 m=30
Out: h=1 m=25
